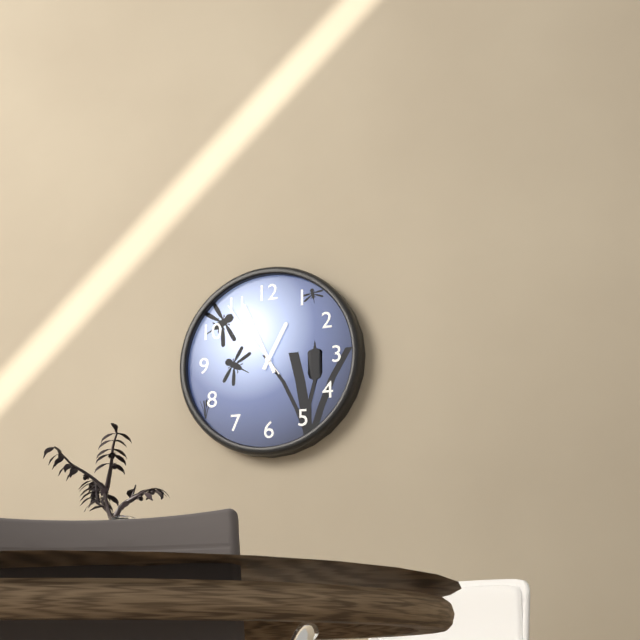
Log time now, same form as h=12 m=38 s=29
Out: h=12 m=56 s=54
